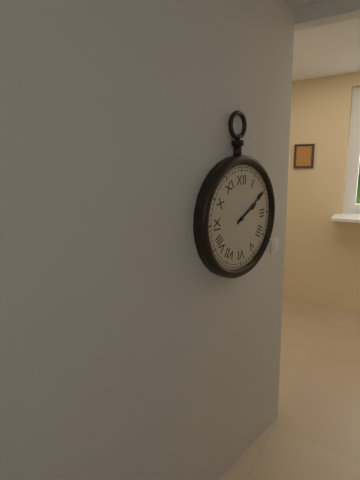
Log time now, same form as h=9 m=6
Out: h=2 m=10
